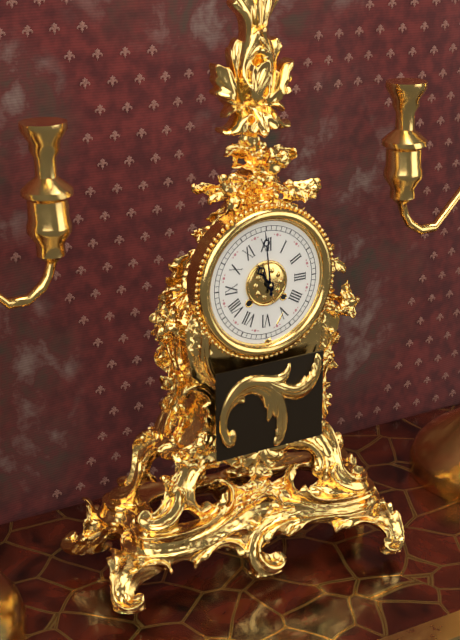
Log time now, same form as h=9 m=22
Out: h=10 m=59
